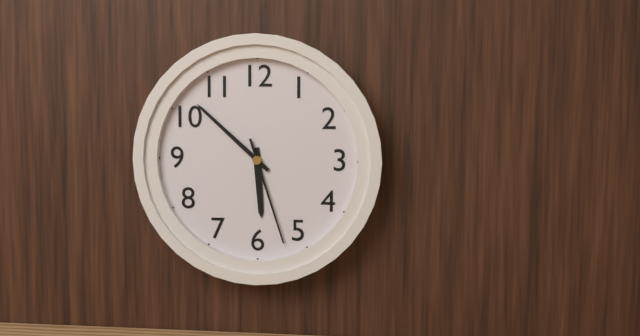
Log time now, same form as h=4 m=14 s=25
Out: h=5 m=52 s=27
